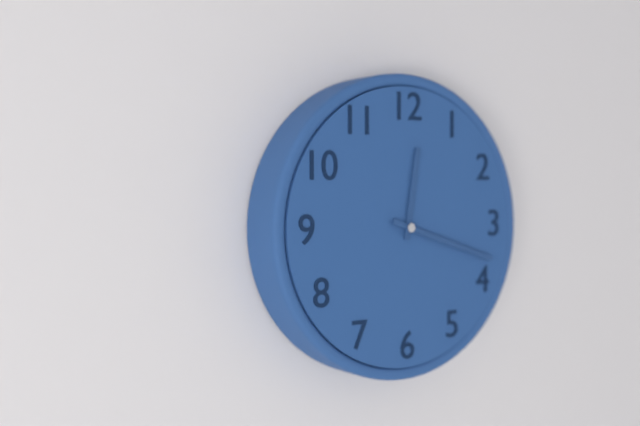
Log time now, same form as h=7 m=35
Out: h=12 m=18
